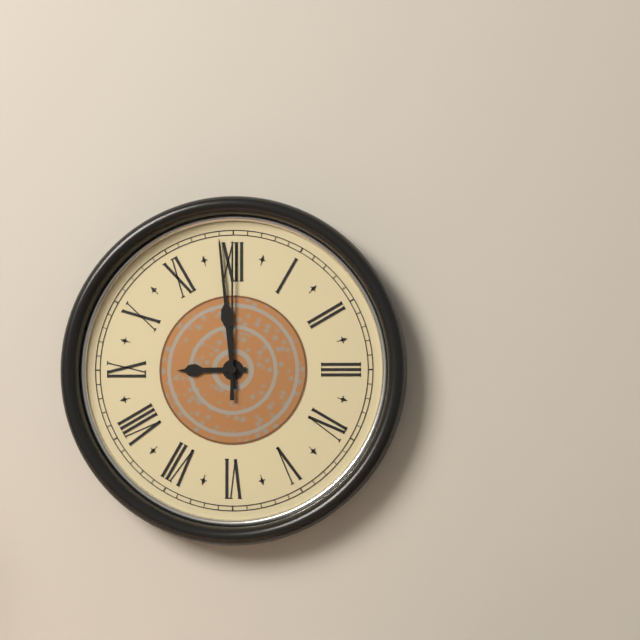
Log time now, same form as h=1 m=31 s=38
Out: h=8 m=59 s=0
